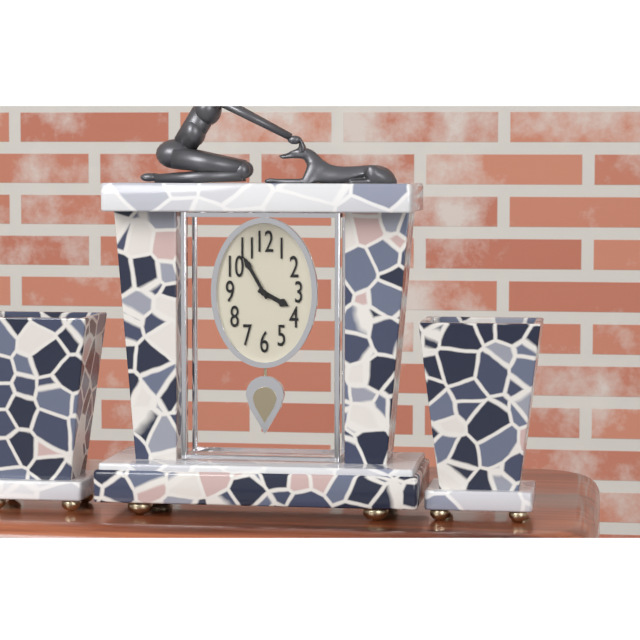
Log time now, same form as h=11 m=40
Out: h=3 m=55
